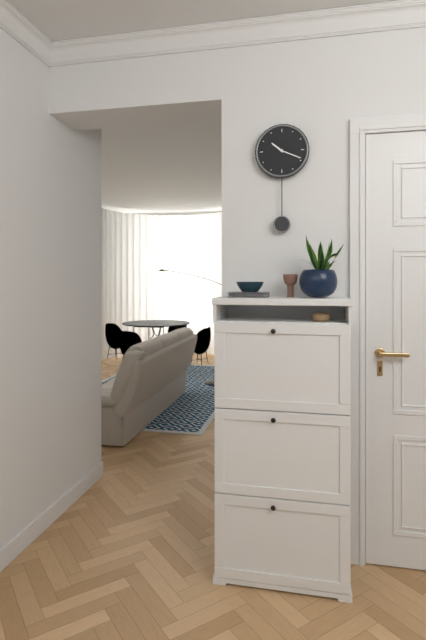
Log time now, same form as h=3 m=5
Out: h=10 m=19
